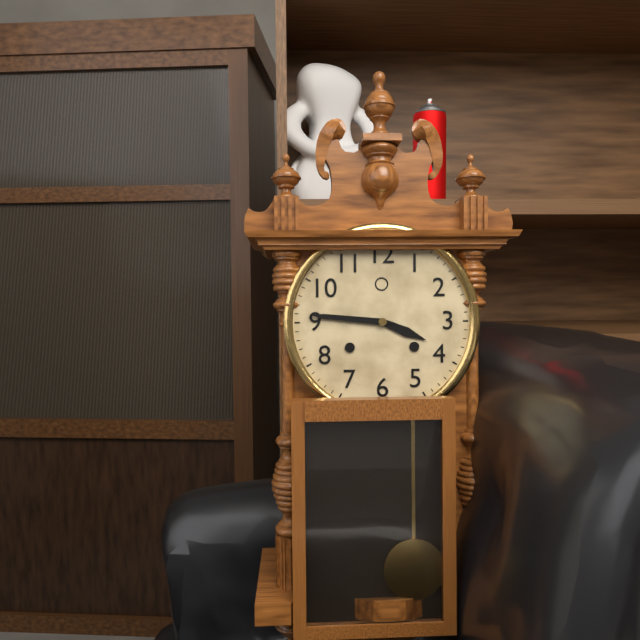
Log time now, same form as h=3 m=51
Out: h=3 m=46
